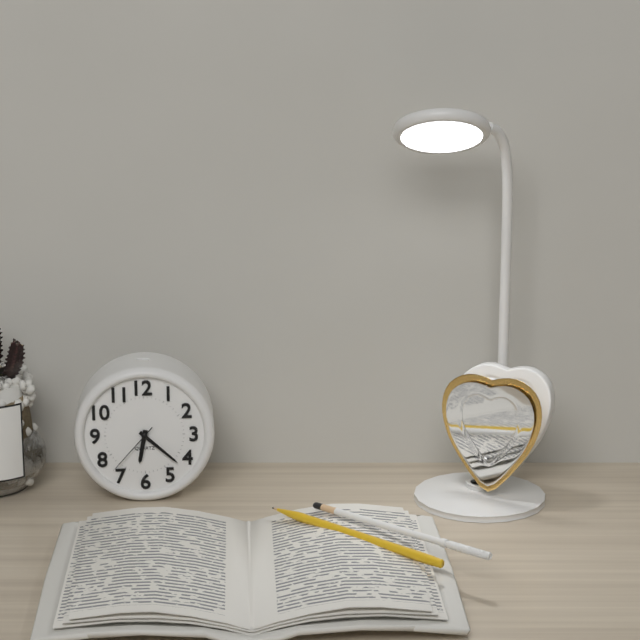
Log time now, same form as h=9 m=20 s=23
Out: h=6 m=22 s=37
